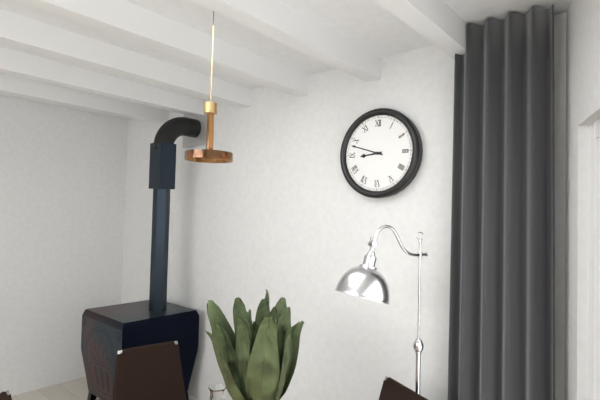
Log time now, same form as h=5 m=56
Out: h=8 m=48
